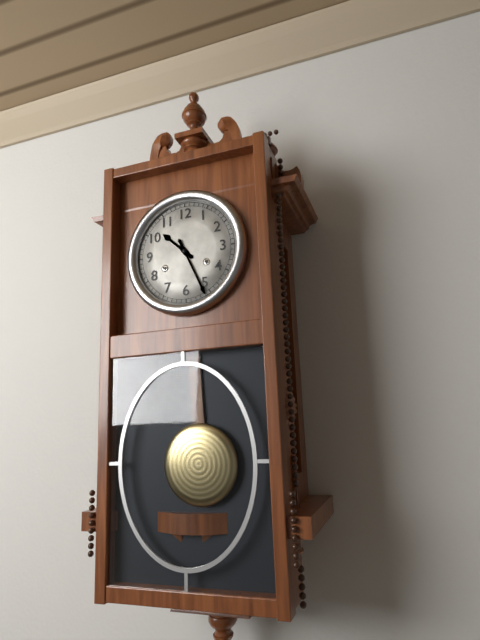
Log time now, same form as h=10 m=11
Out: h=10 m=26
